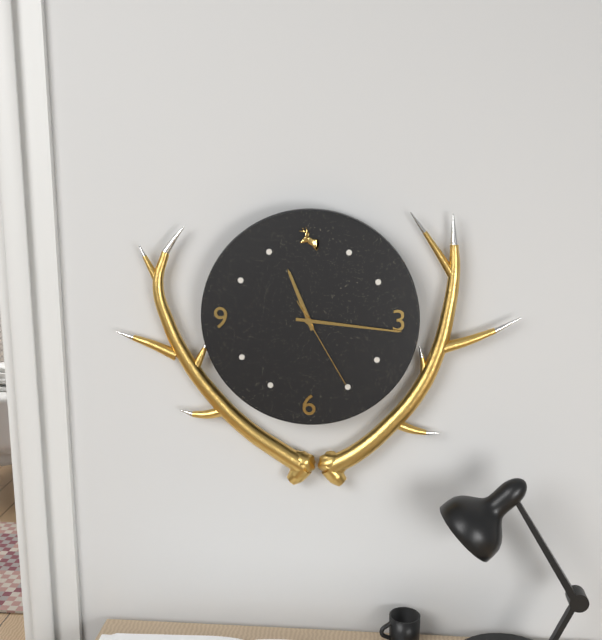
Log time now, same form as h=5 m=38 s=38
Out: h=11 m=16 s=25
